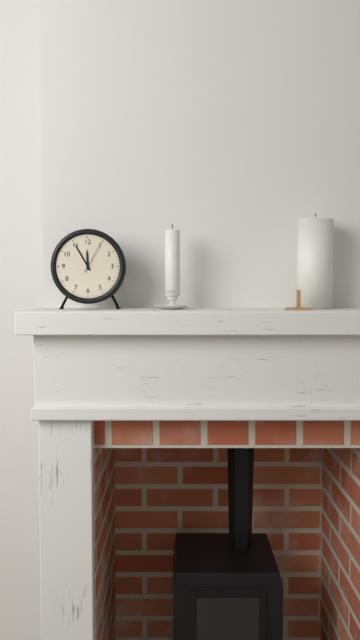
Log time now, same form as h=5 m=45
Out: h=11 m=55
